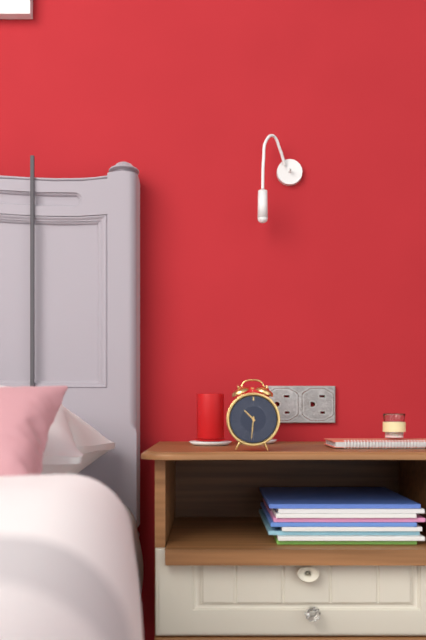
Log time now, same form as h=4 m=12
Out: h=10 m=31
